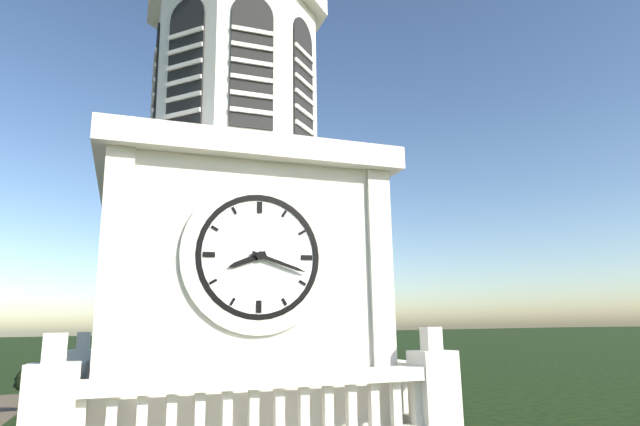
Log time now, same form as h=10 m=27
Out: h=8 m=18
